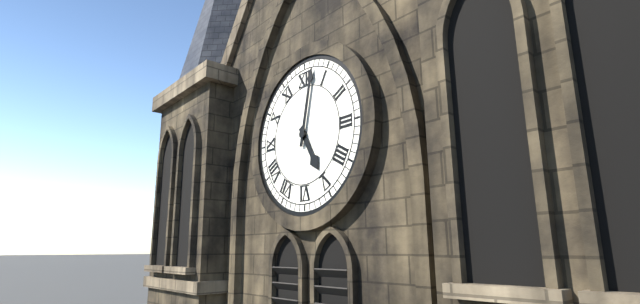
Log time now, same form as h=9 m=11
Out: h=5 m=2
